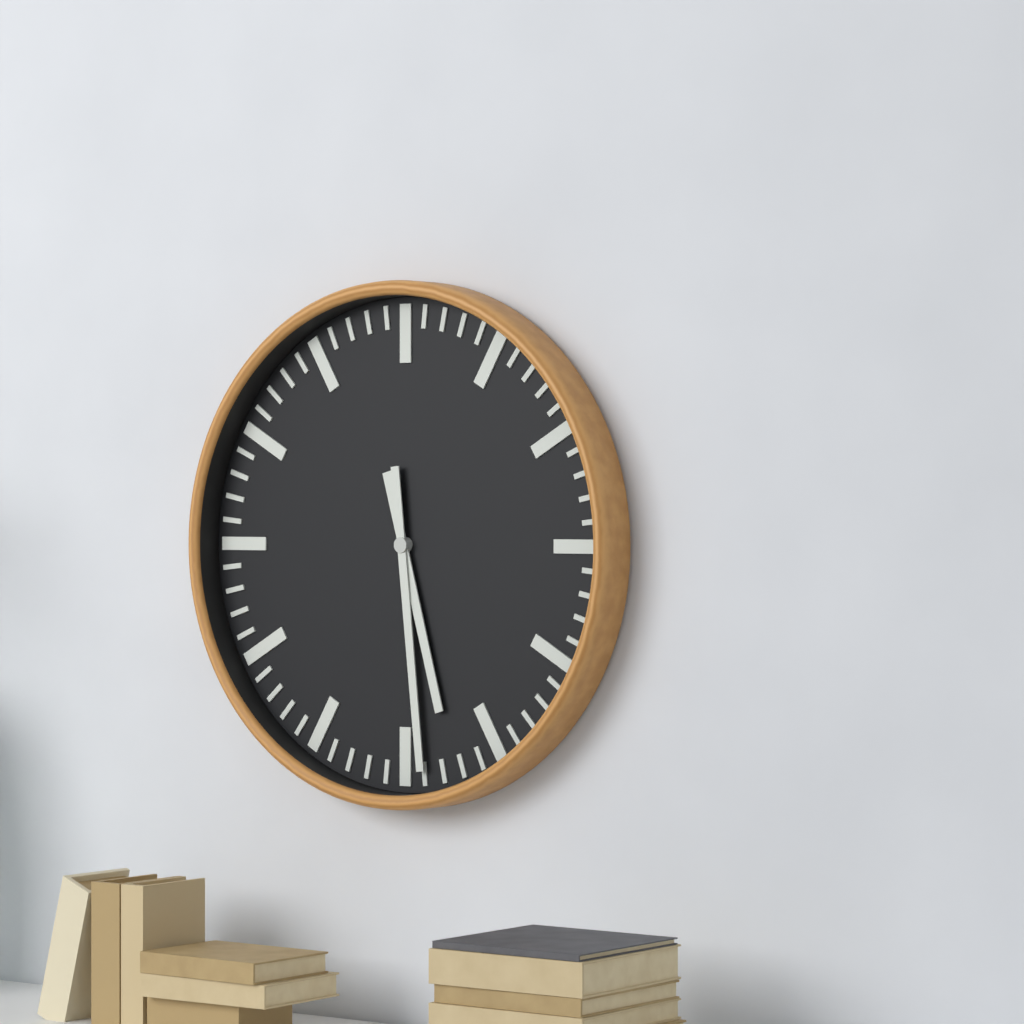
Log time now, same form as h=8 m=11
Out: h=5 m=29
